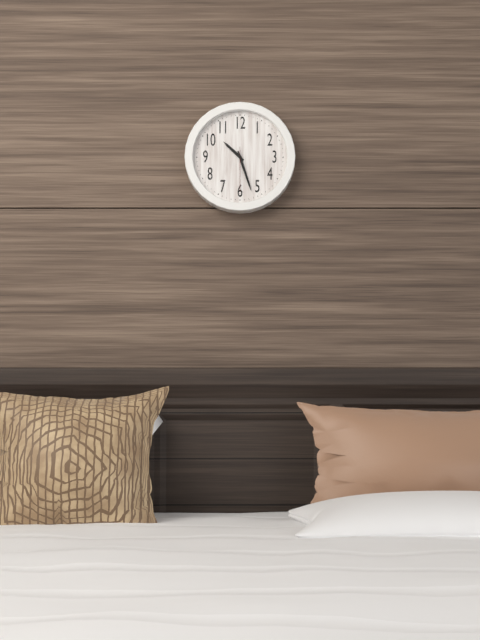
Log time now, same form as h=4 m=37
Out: h=10 m=27
